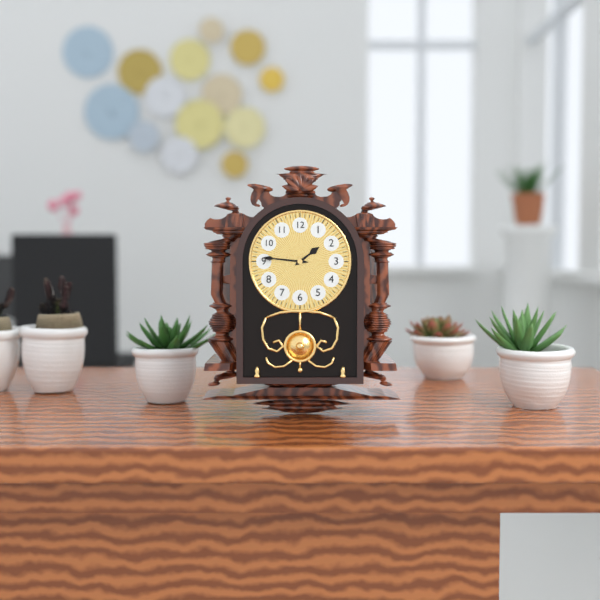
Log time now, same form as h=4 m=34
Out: h=1 m=46
